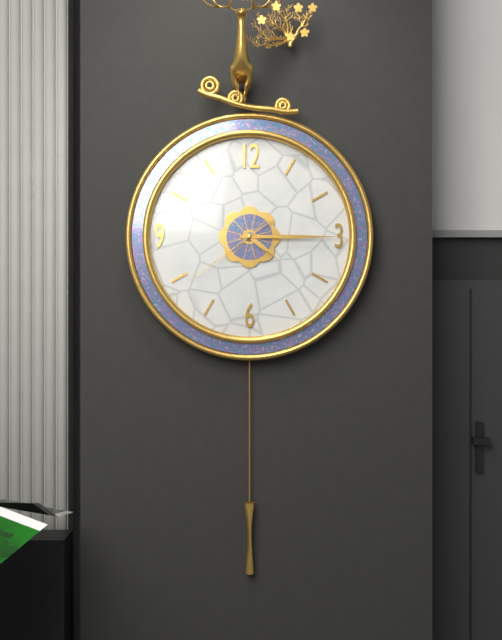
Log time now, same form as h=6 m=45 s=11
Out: h=4 m=15 s=39
